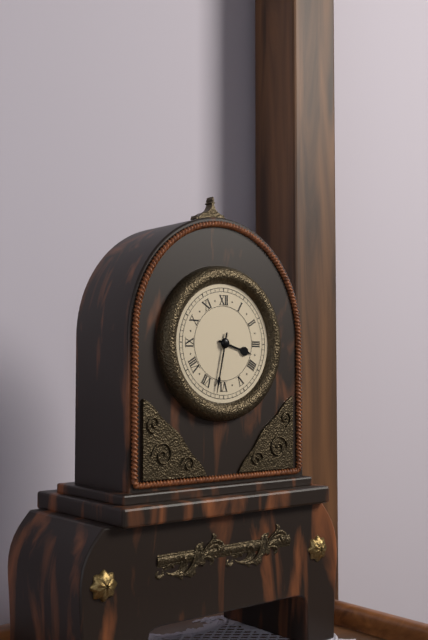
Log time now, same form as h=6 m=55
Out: h=3 m=32
